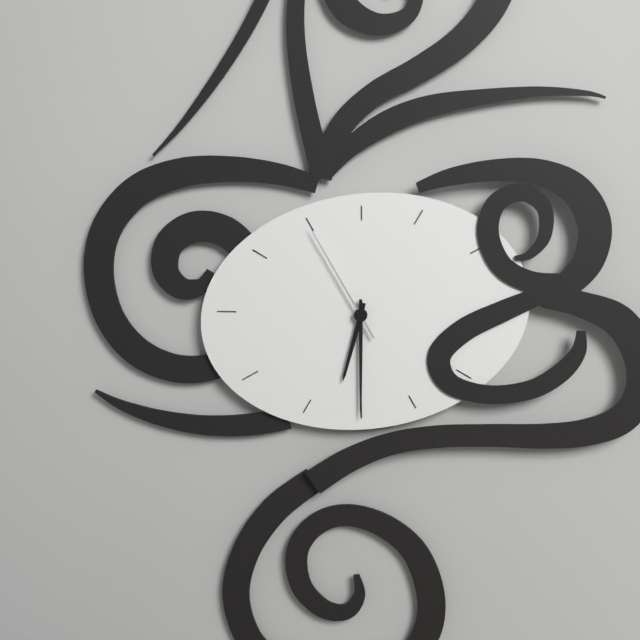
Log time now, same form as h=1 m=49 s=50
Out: h=6 m=30 s=55
